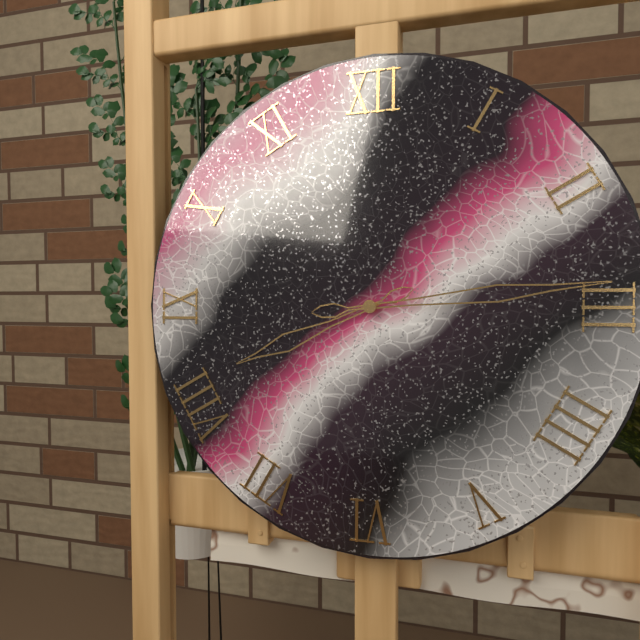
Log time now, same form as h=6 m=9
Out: h=8 m=14
